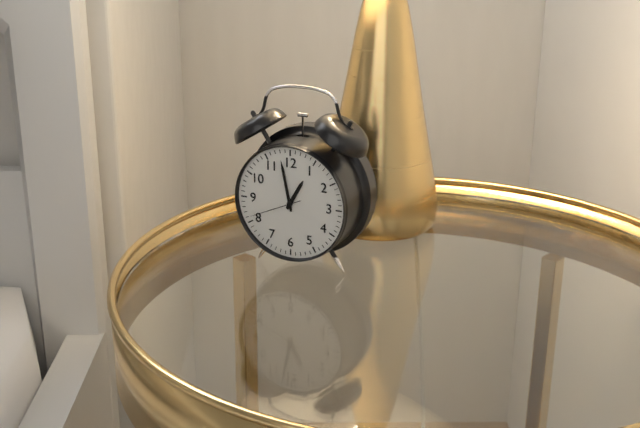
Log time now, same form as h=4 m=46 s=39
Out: h=12 m=58 s=41
